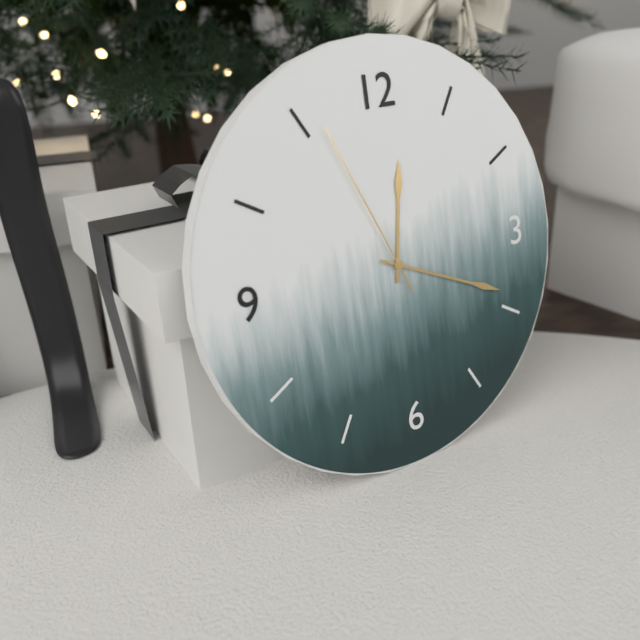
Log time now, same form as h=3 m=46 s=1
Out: h=12 m=19 s=56
